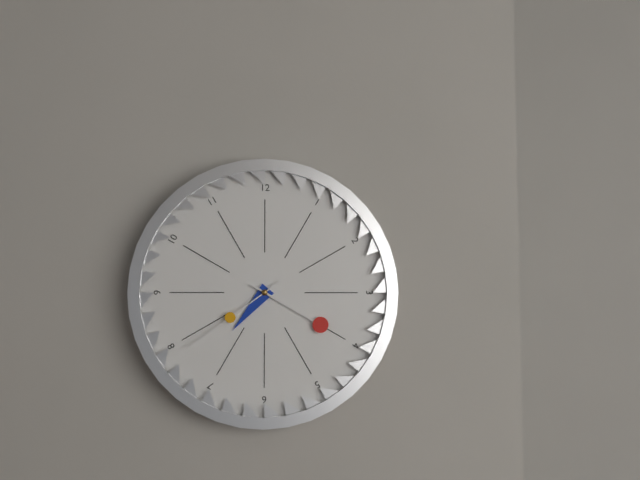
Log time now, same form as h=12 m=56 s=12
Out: h=7 m=20 s=39
